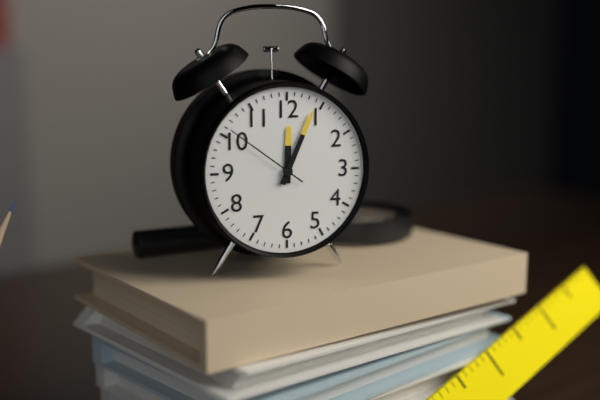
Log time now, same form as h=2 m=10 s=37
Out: h=12 m=4 s=51
